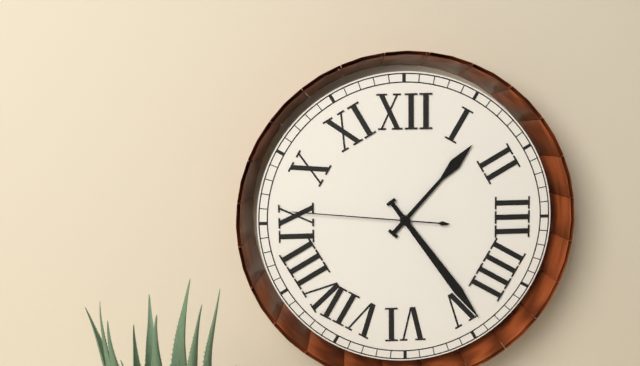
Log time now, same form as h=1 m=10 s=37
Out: h=1 m=24 s=46
